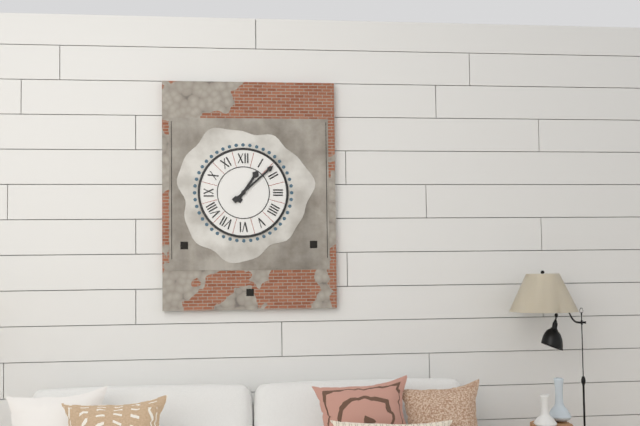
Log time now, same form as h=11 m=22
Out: h=1 m=8
